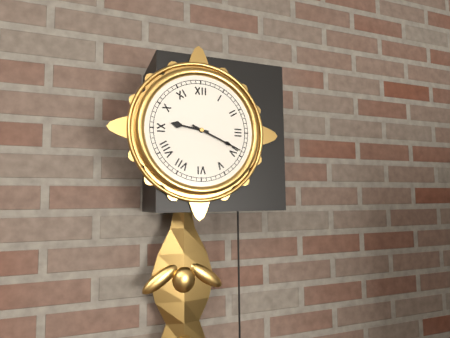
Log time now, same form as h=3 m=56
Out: h=9 m=19
